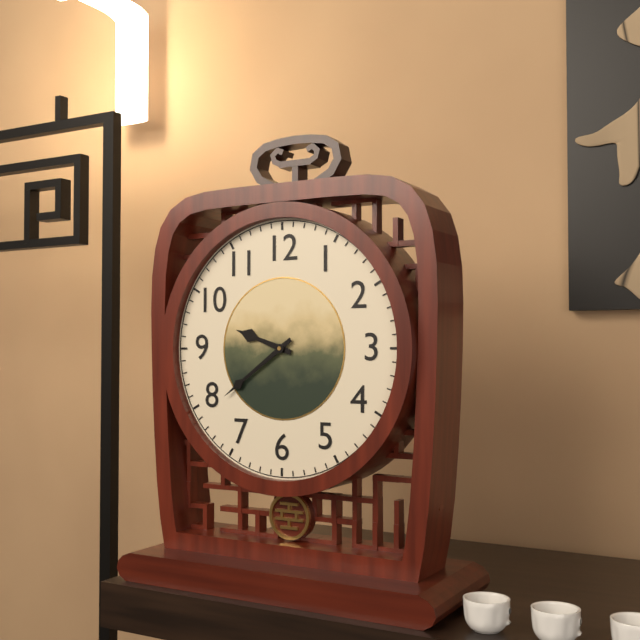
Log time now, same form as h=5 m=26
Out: h=9 m=39
